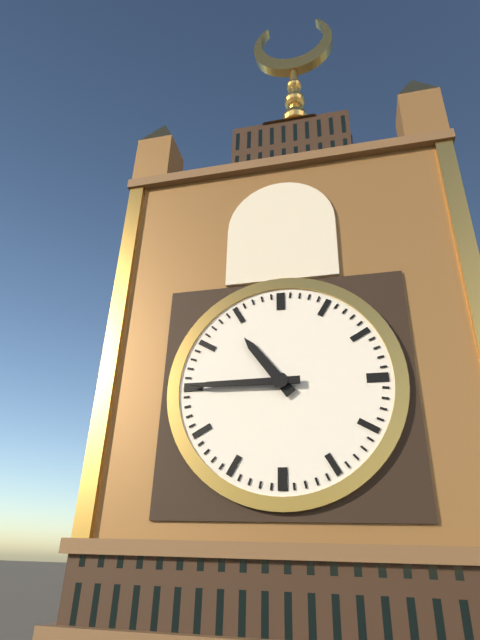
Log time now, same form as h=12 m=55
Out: h=10 m=45
